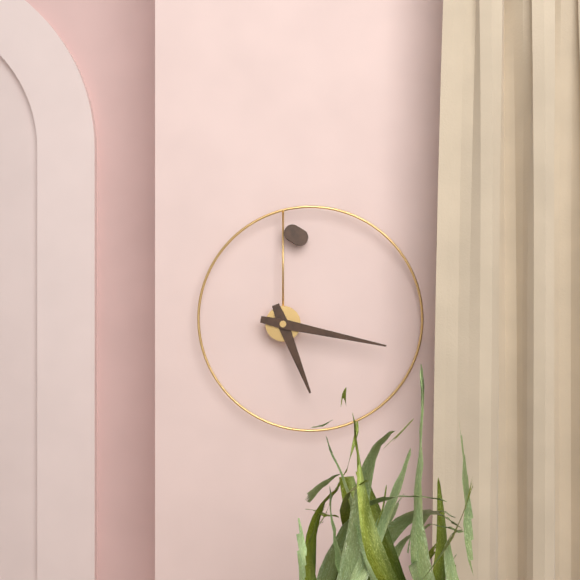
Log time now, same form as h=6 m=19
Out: h=5 m=17
